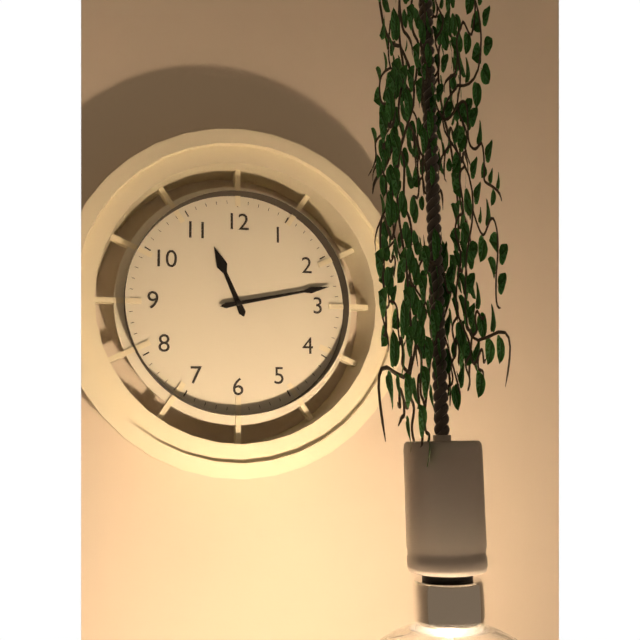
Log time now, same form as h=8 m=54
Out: h=11 m=13
